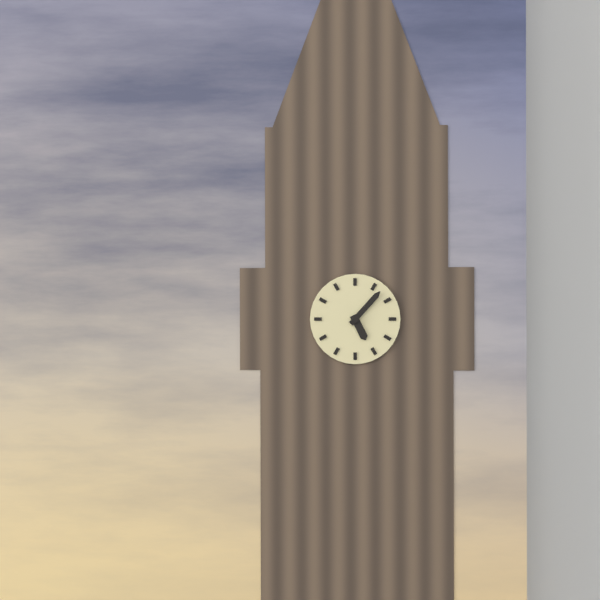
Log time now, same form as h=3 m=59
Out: h=5 m=7
